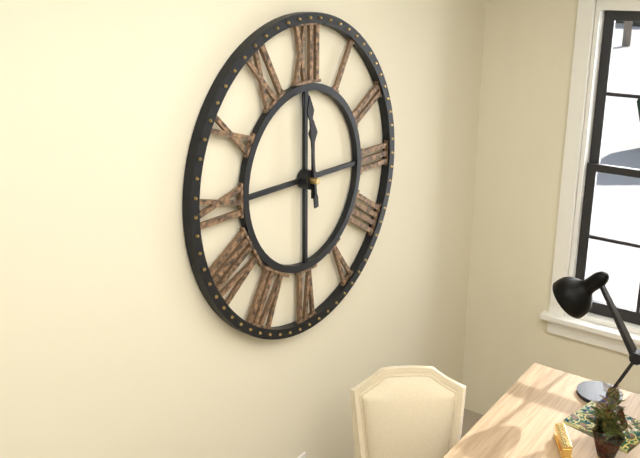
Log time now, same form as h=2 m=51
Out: h=11 m=59
